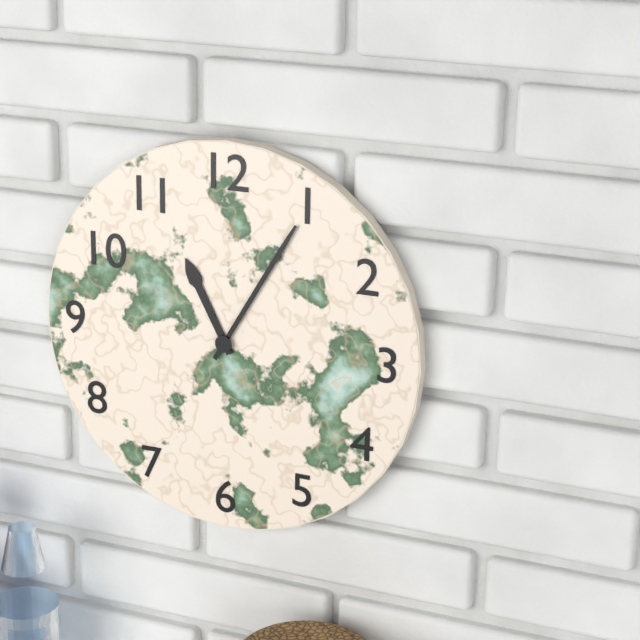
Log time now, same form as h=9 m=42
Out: h=11 m=5
